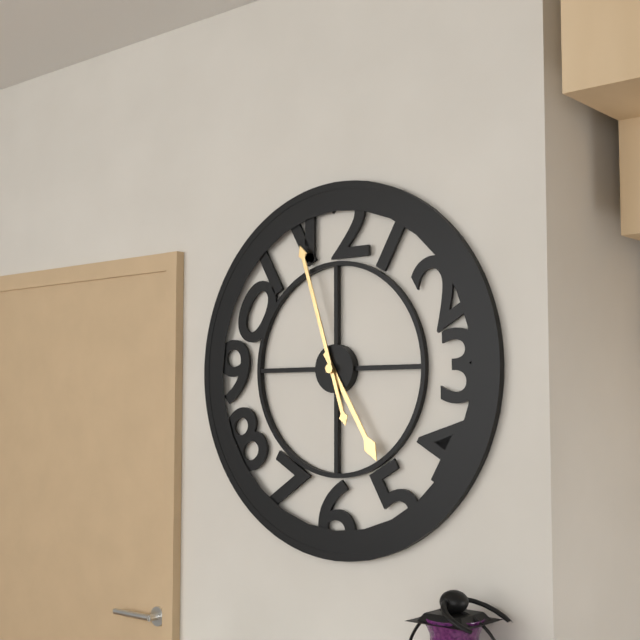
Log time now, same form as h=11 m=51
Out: h=4 m=57
